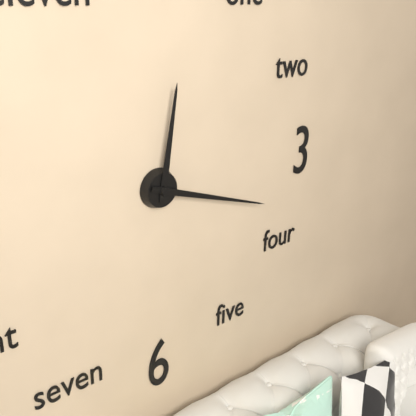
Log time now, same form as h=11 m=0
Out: h=12 m=18
